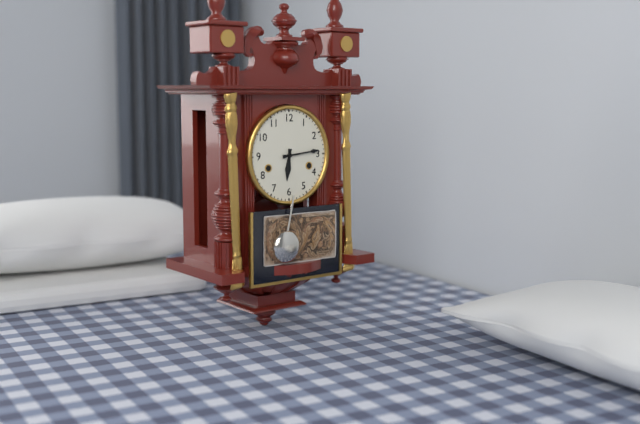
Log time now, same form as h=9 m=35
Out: h=6 m=14
